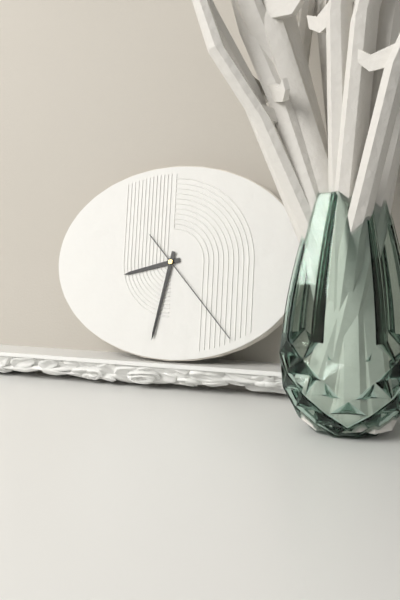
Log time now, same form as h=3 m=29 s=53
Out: h=8 m=32 s=23
